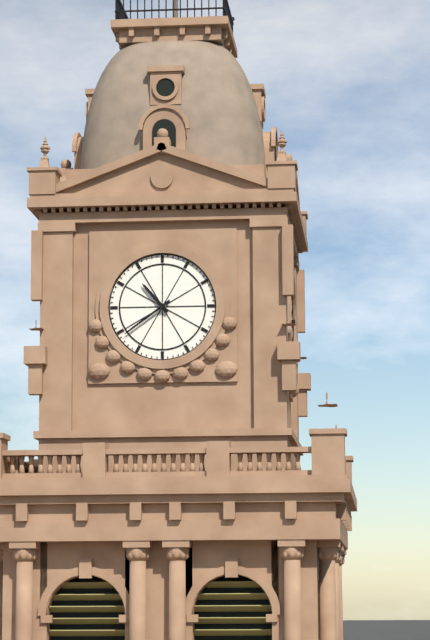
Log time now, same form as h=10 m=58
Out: h=10 m=39
